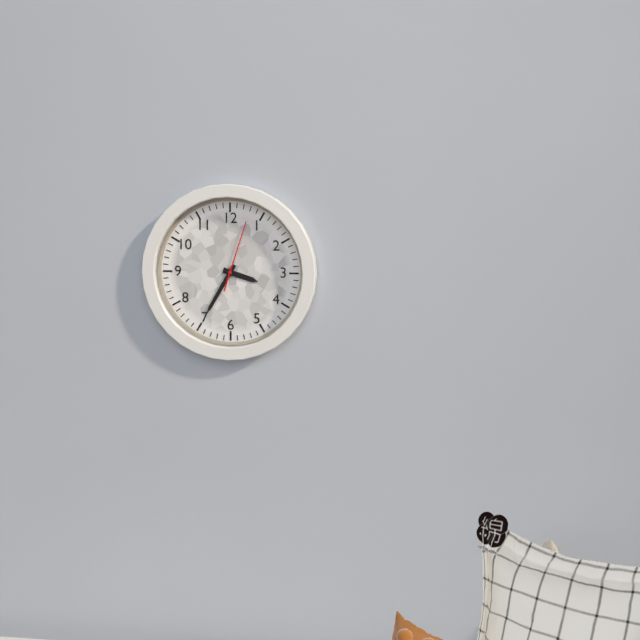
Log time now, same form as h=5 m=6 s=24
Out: h=3 m=35 s=3
